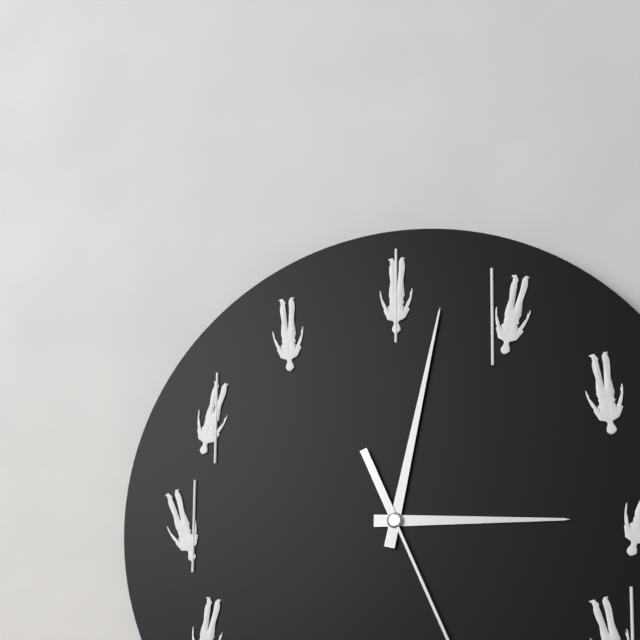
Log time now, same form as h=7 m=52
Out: h=3 m=2
